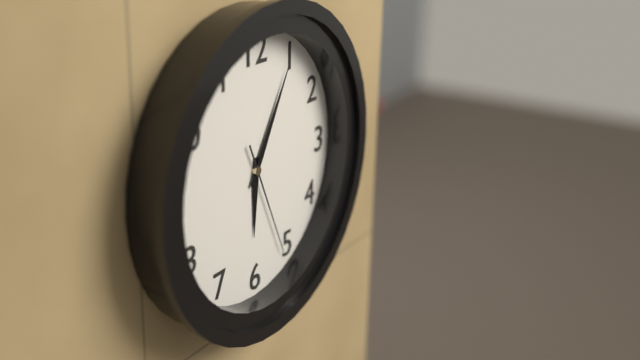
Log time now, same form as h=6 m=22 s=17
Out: h=6 m=5 s=26
